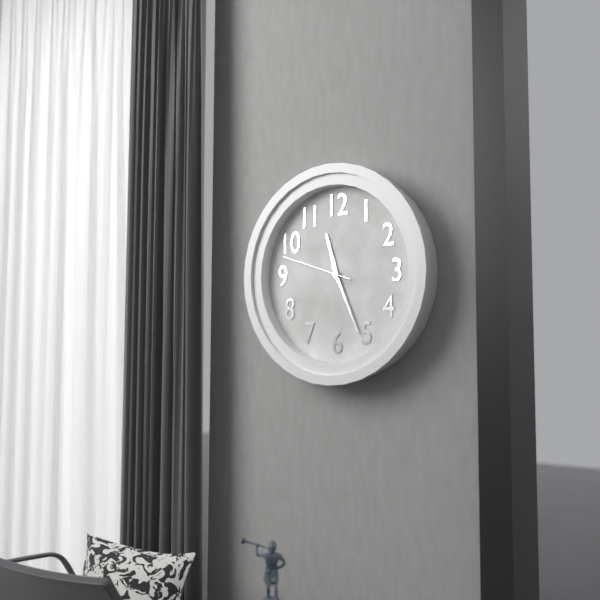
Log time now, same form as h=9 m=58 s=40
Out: h=11 m=26 s=48
